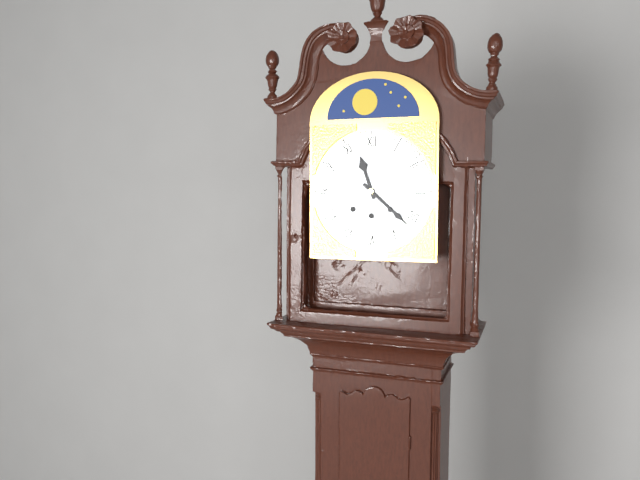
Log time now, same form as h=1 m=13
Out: h=11 m=22
